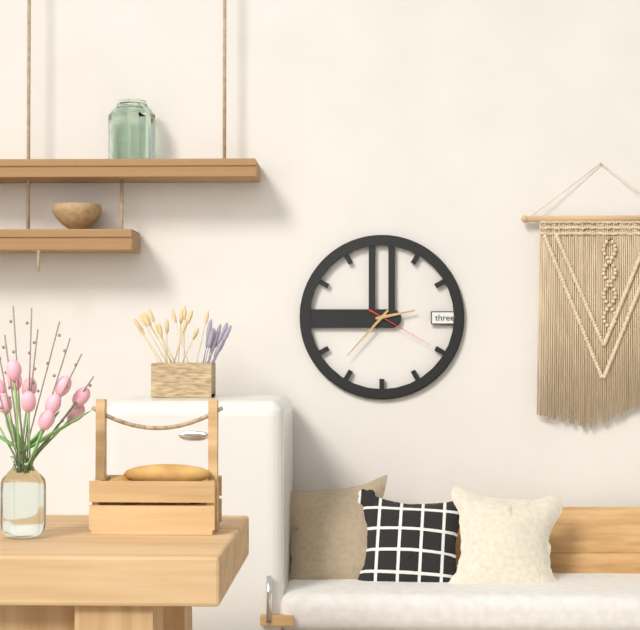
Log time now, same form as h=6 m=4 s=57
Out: h=2 m=37 s=20
